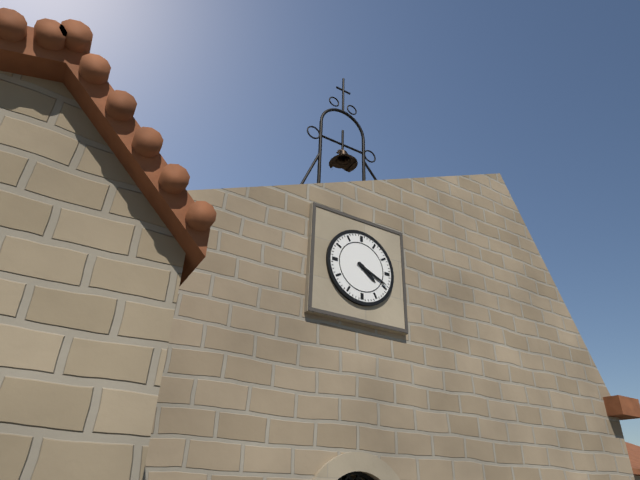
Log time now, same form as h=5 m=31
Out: h=4 m=19
